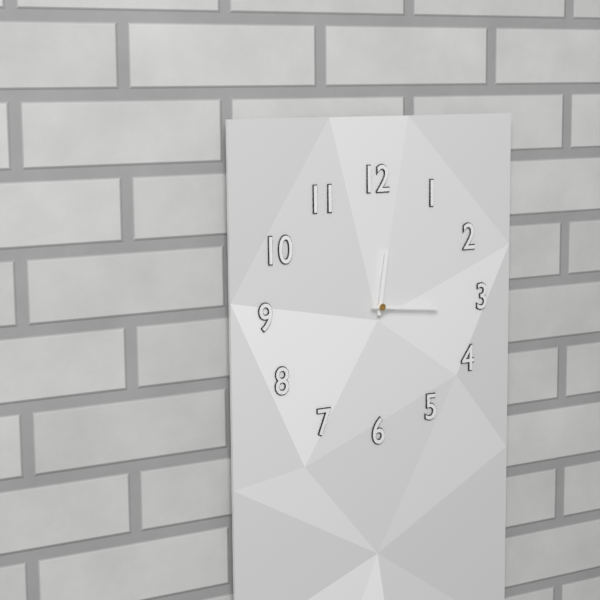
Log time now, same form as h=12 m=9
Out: h=12 m=16
